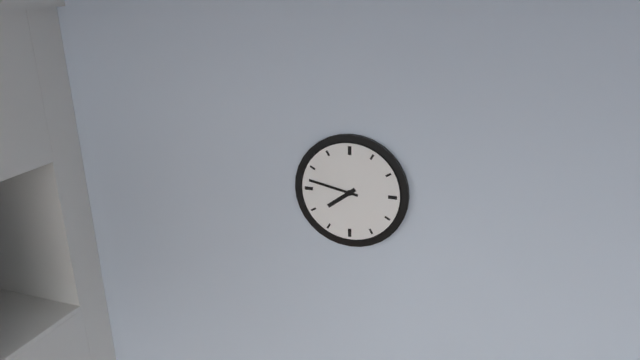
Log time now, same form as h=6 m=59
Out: h=7 m=47
